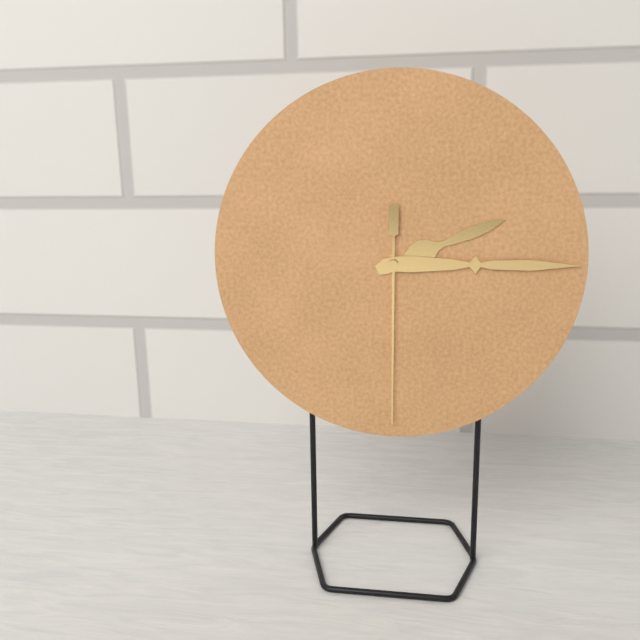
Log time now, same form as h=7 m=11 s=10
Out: h=2 m=15 s=30
